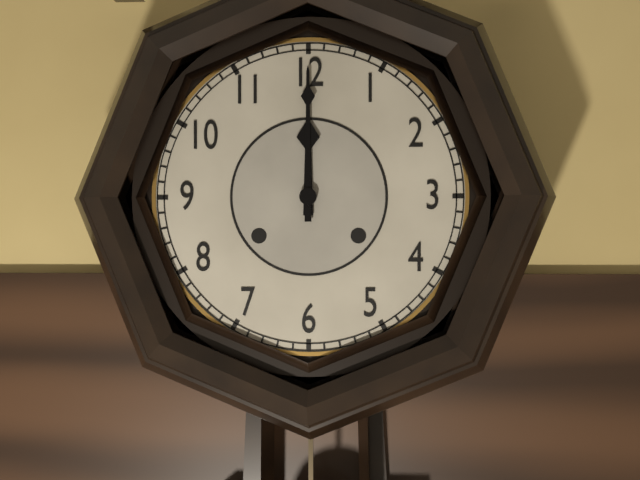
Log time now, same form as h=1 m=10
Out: h=12 m=0
